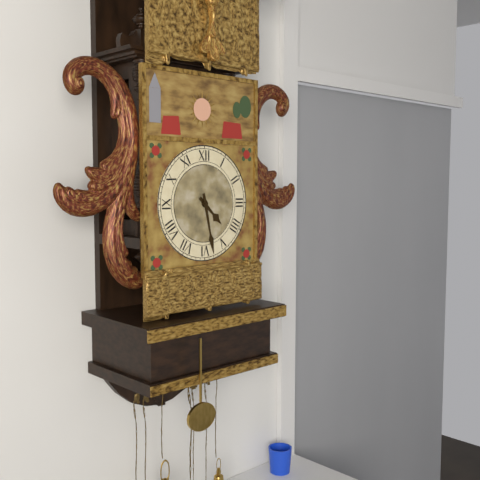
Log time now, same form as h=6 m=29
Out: h=4 m=28
